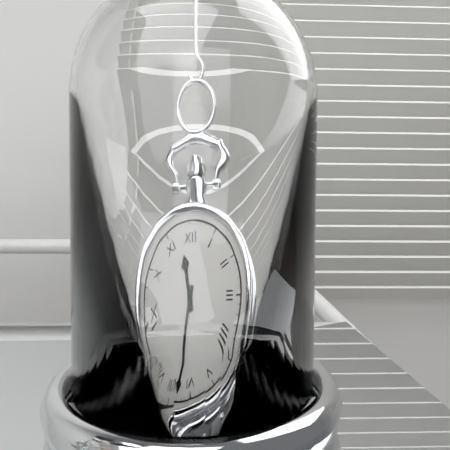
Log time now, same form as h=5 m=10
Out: h=11 m=33
